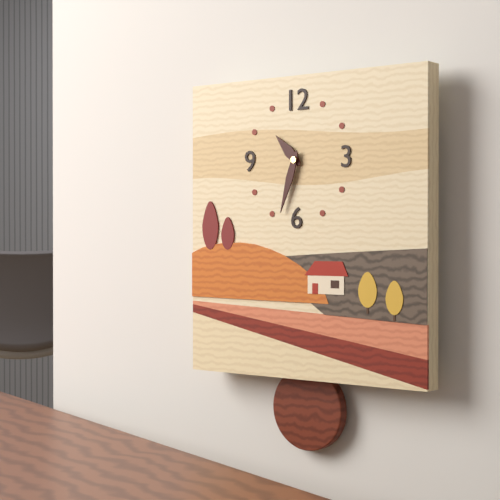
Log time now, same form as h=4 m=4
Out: h=10 m=33
